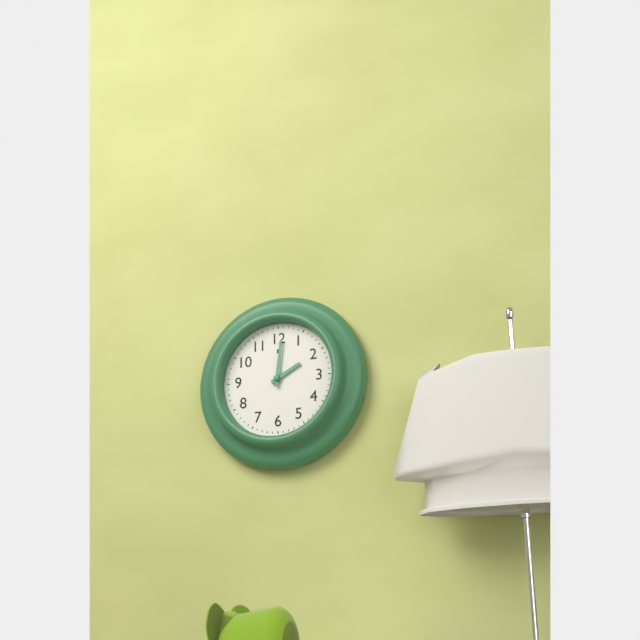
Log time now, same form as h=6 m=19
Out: h=2 m=1
